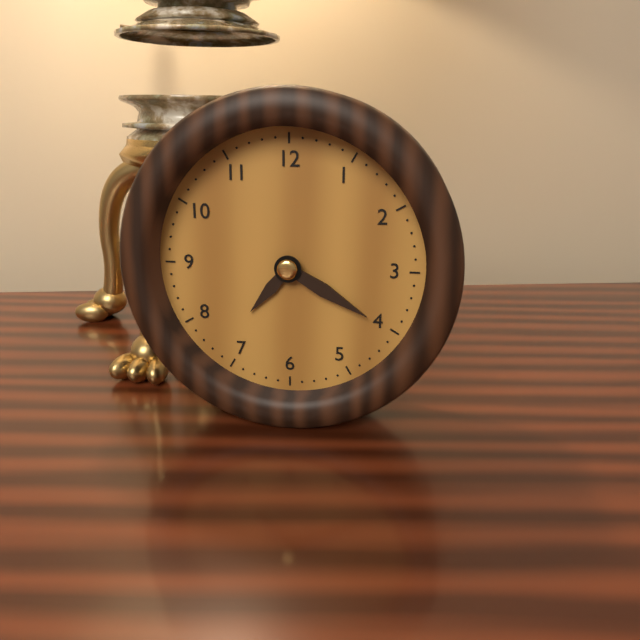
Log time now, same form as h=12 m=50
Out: h=7 m=20
